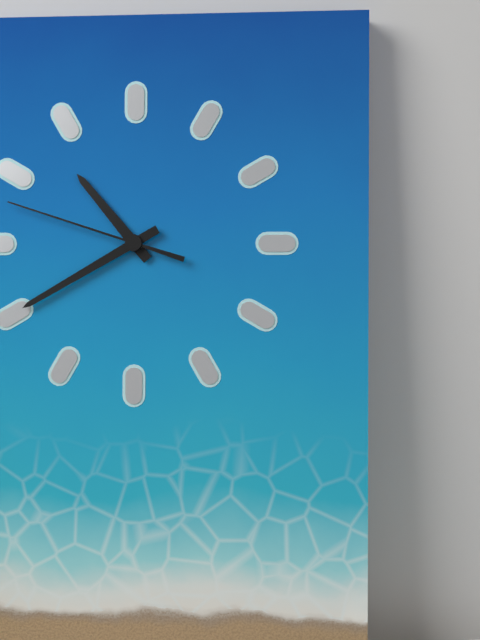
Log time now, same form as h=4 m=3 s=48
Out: h=10 m=40 s=48
